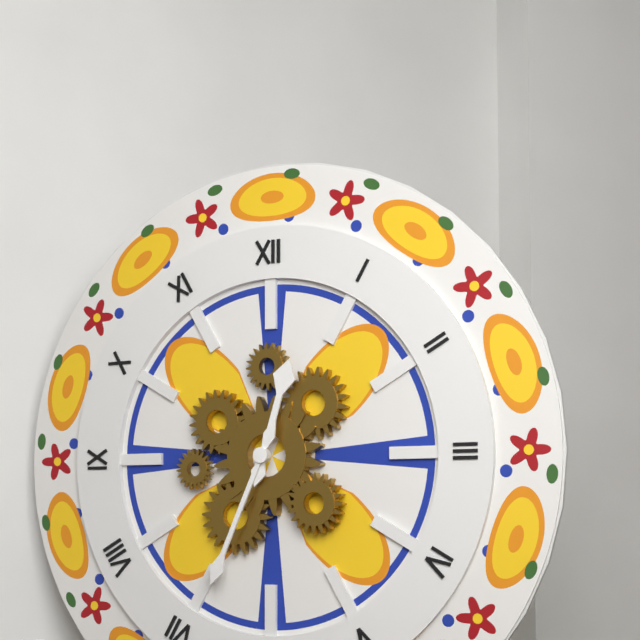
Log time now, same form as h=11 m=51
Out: h=12 m=34
